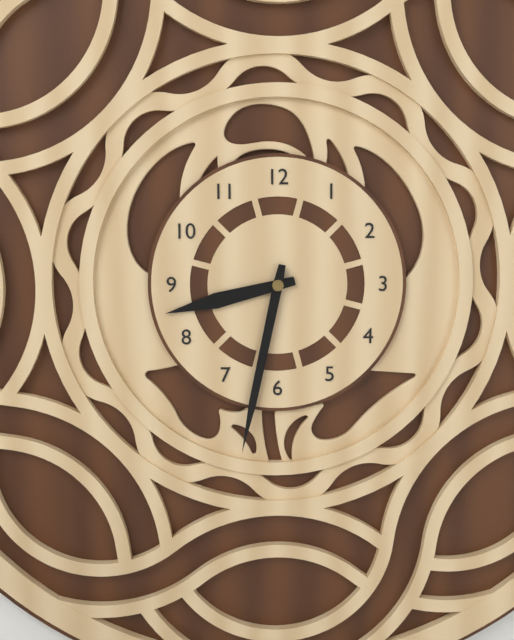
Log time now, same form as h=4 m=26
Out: h=8 m=32
